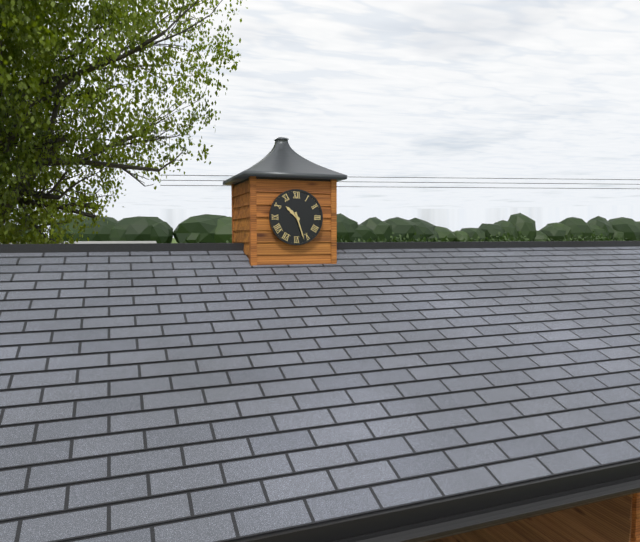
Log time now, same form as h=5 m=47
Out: h=10 m=27
